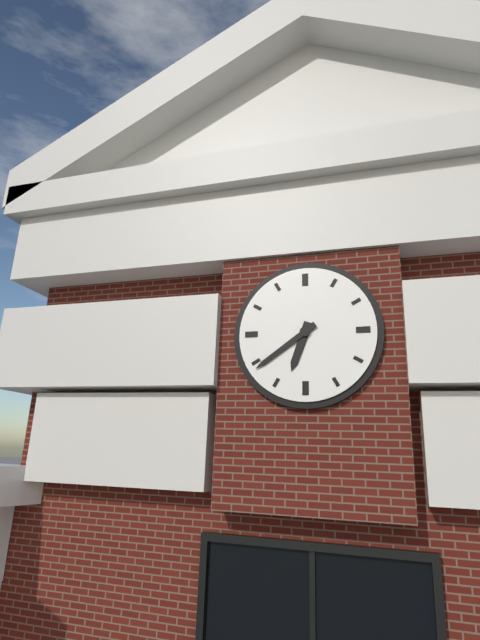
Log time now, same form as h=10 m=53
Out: h=6 m=39
